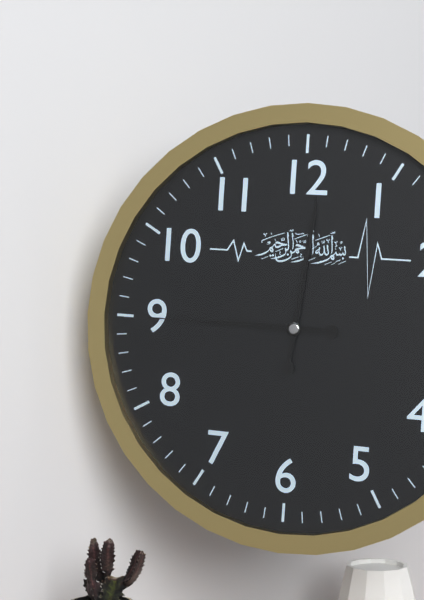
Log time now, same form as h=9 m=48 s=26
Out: h=9 m=1 s=45
